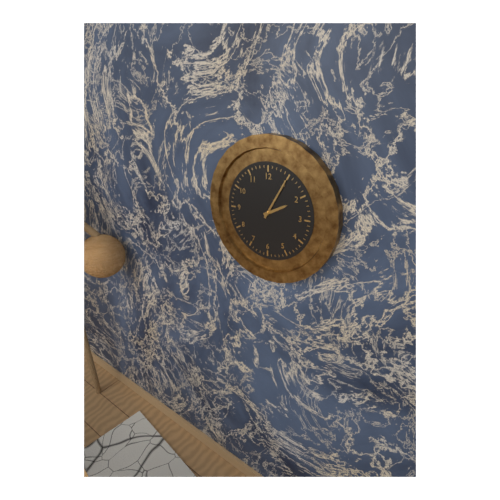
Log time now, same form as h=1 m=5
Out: h=2 m=5
